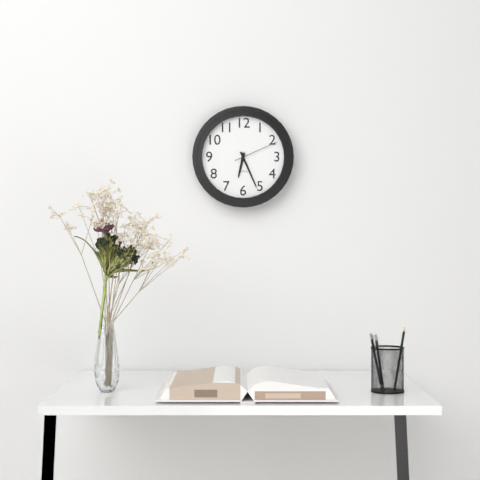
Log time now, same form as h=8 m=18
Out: h=6 m=26
